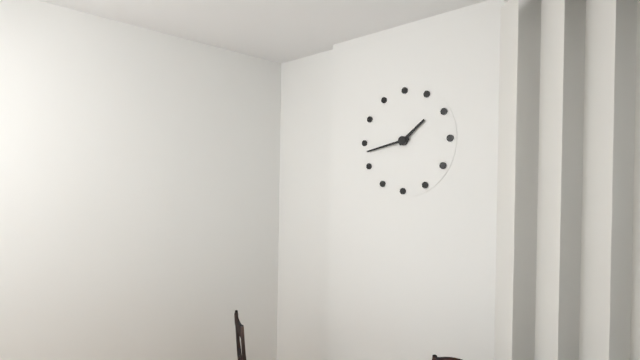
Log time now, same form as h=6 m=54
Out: h=1 m=43
